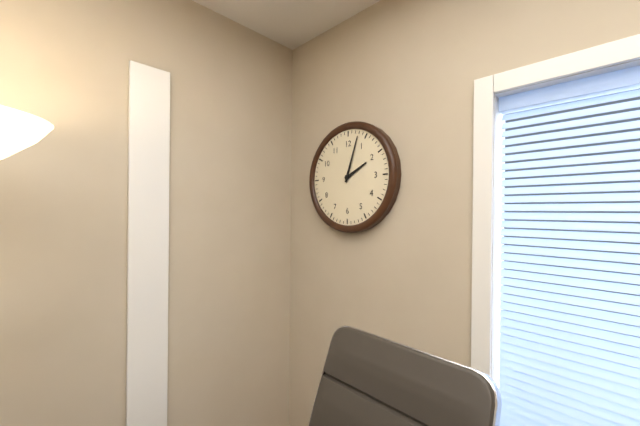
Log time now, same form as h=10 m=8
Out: h=2 m=3
